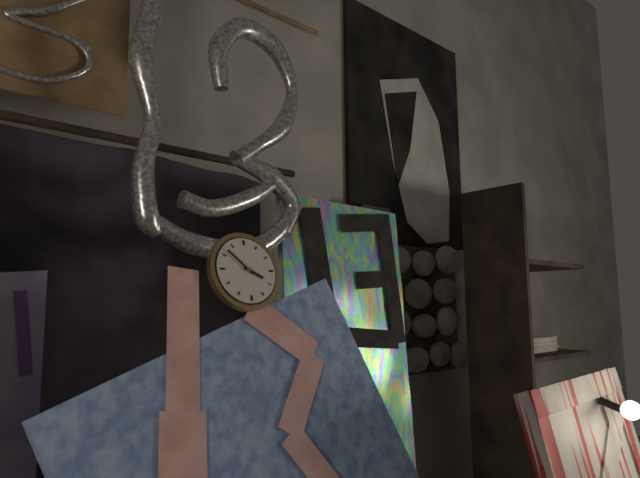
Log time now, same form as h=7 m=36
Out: h=3 m=52
